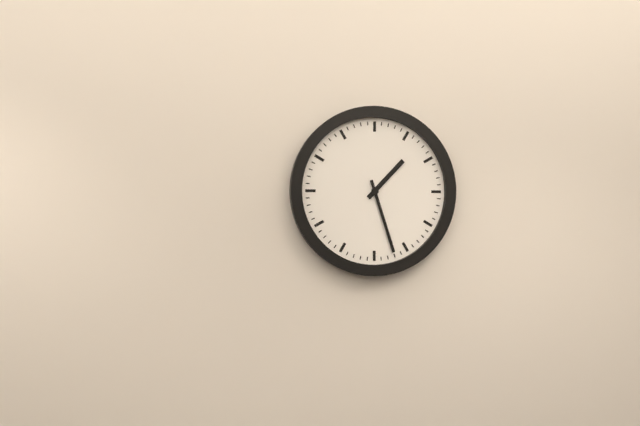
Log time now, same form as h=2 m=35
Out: h=1 m=27
